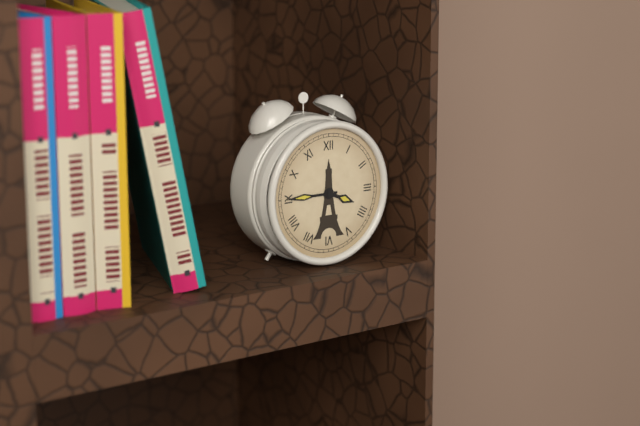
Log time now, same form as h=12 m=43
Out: h=3 m=45
